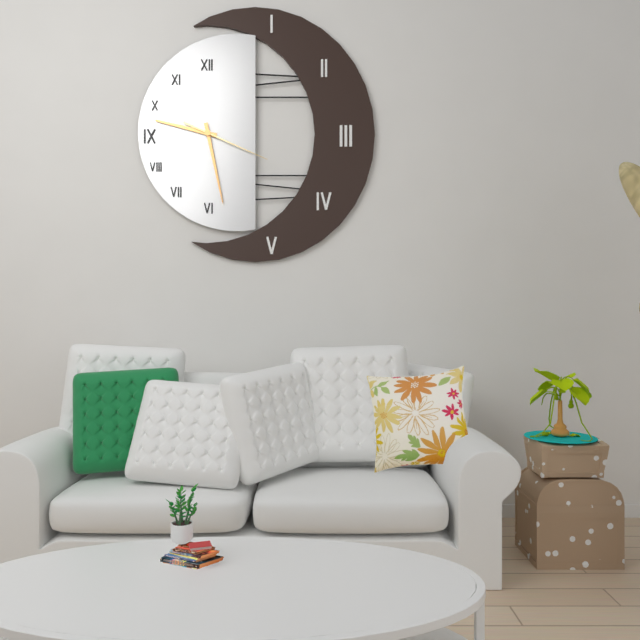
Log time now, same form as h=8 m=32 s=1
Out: h=9 m=28 s=19
